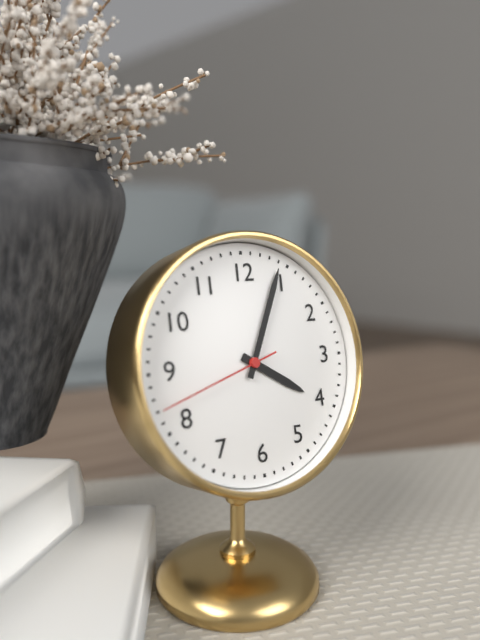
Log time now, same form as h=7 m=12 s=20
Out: h=4 m=4 s=42
